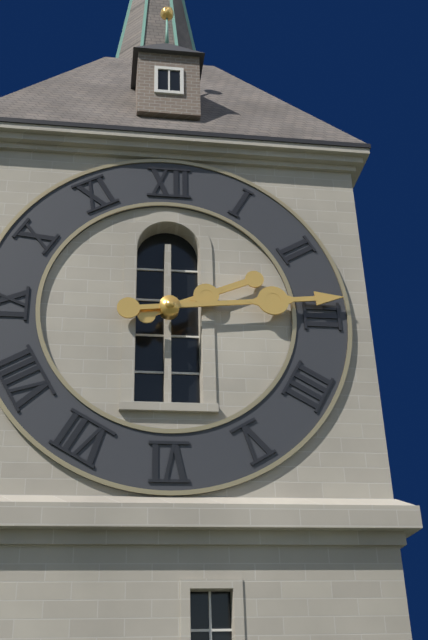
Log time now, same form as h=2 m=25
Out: h=2 m=14
